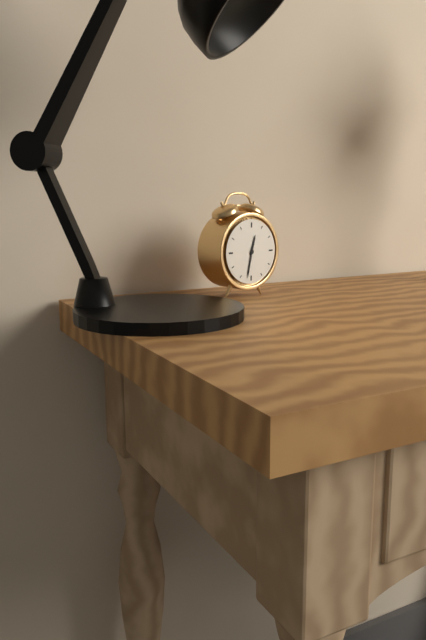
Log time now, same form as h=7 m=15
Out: h=12 m=32
